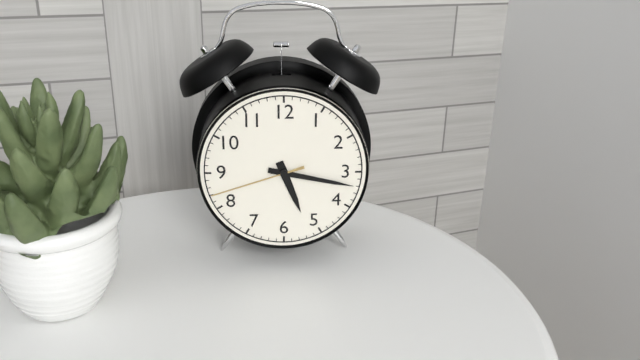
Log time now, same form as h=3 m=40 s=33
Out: h=5 m=17 s=42
